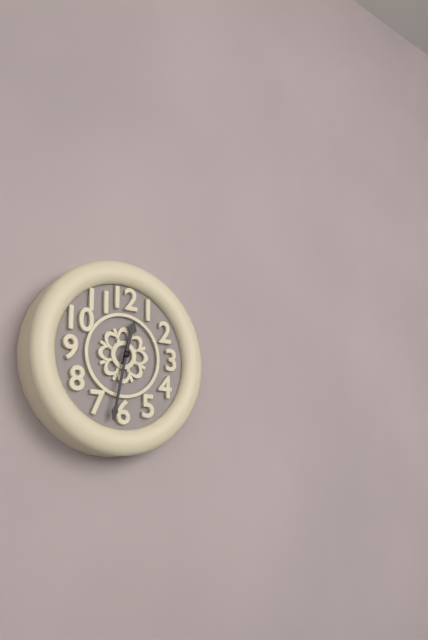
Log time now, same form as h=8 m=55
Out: h=12 m=32
